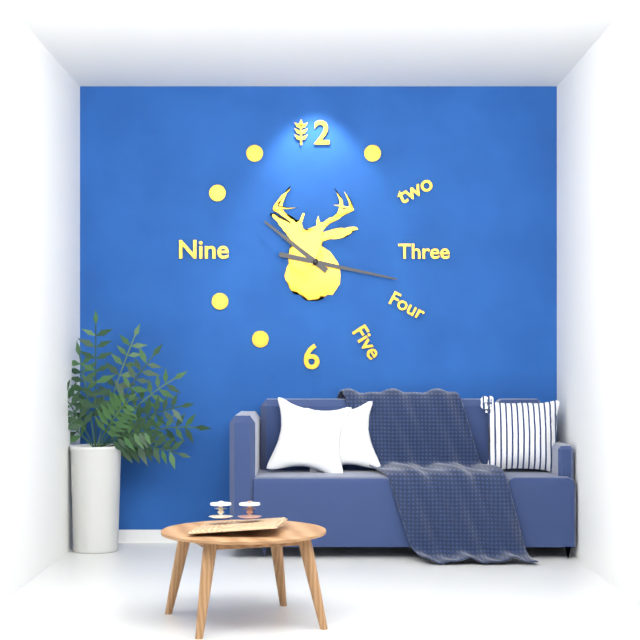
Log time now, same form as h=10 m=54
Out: h=10 m=17
